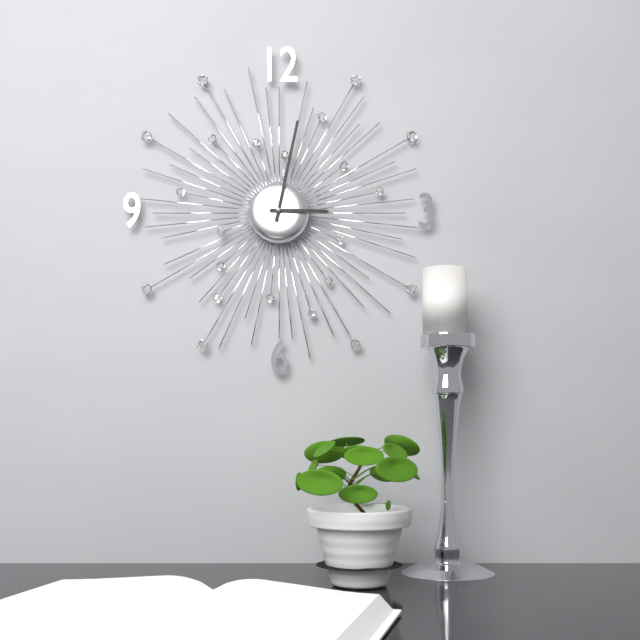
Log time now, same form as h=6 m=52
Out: h=3 m=2
